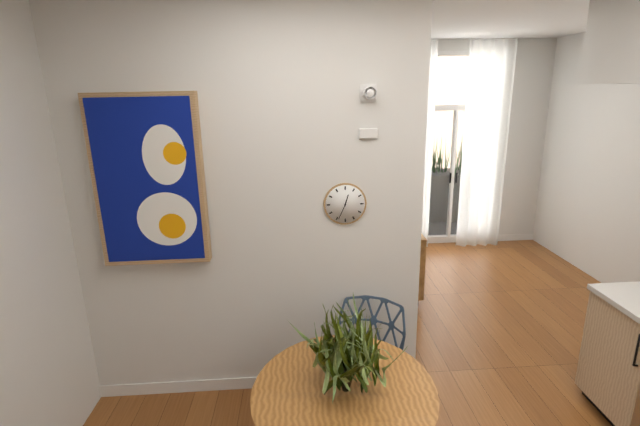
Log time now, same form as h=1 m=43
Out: h=12 m=34
